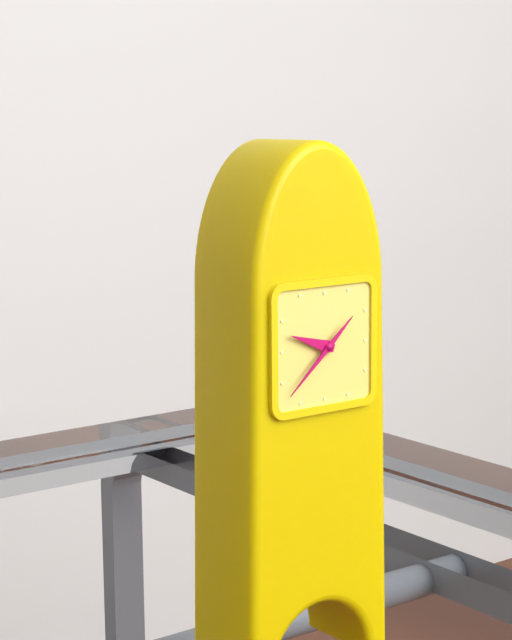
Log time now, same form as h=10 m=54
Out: h=9 m=38
